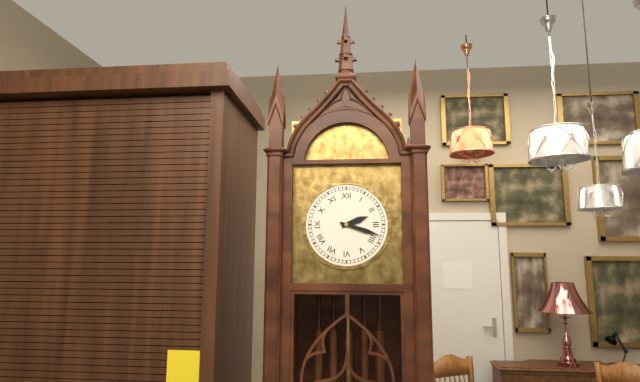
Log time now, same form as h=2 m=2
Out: h=2 m=18
